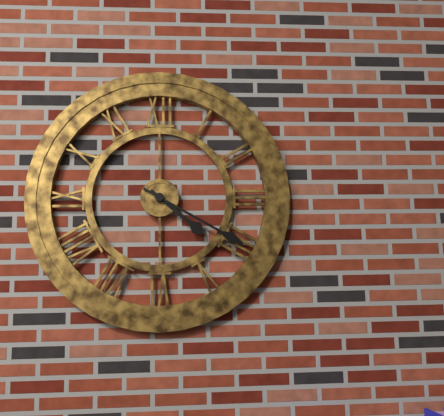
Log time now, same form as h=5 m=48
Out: h=4 m=20
